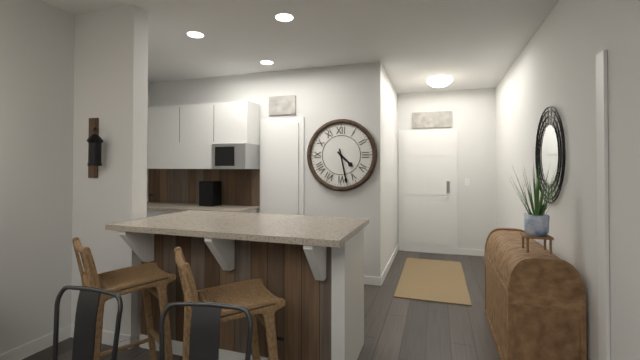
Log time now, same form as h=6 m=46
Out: h=4 m=28
